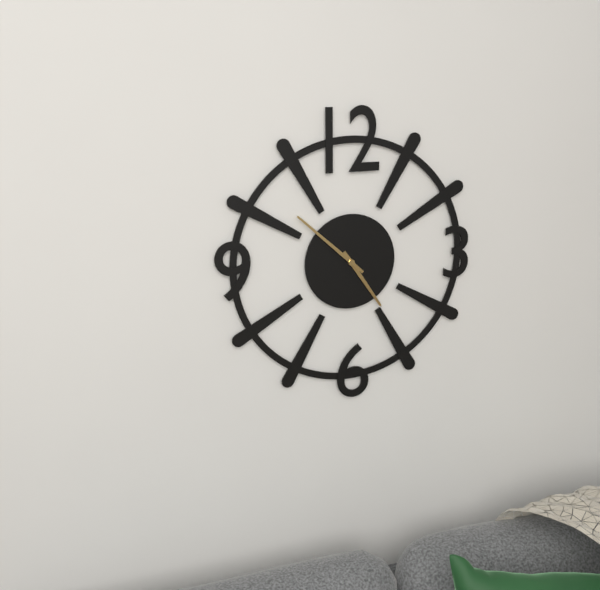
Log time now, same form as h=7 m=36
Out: h=4 m=52
